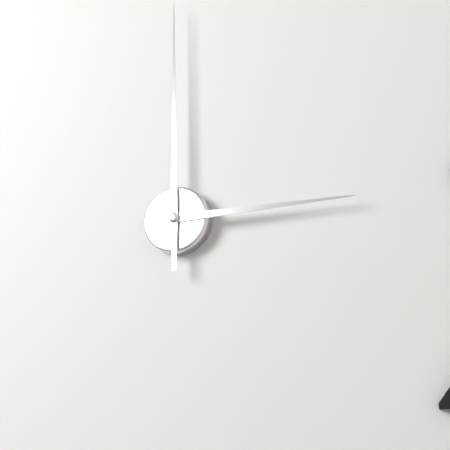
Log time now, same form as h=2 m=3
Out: h=3 m=0
